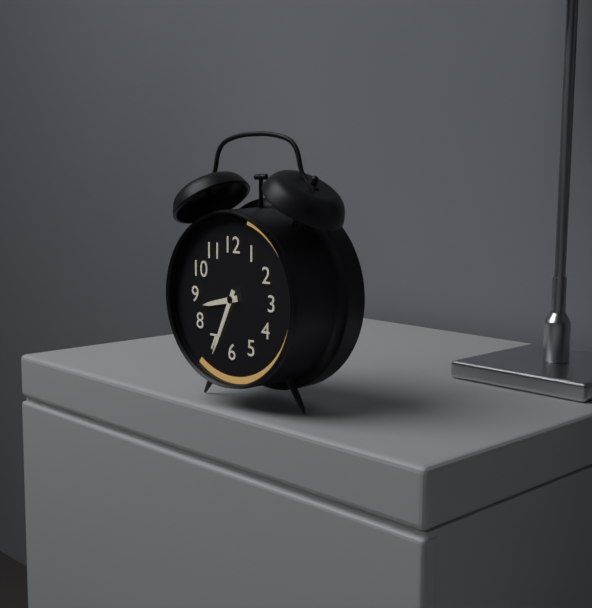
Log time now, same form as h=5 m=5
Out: h=8 m=34
